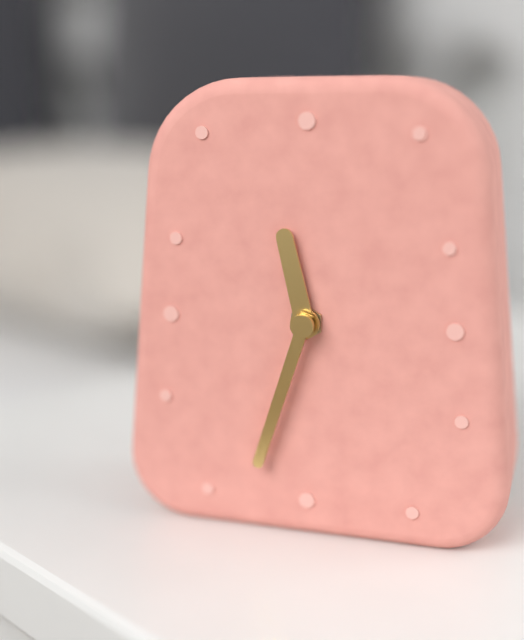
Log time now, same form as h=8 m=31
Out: h=11 m=33
